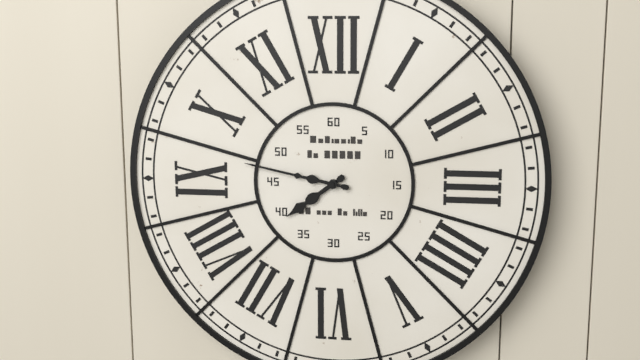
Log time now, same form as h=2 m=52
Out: h=7 m=47
